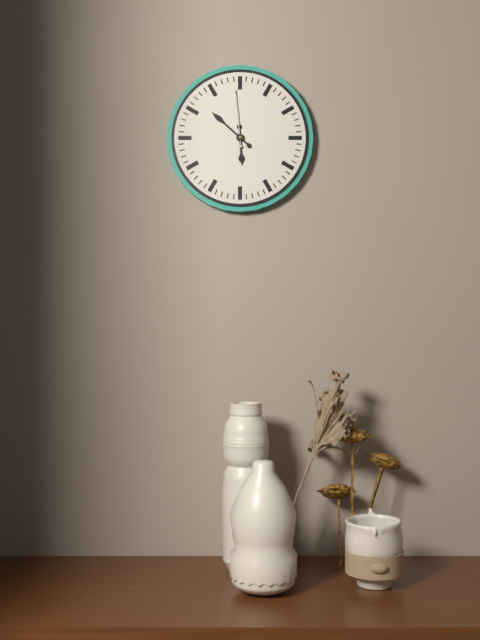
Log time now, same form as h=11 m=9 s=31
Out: h=5 m=52 s=59
